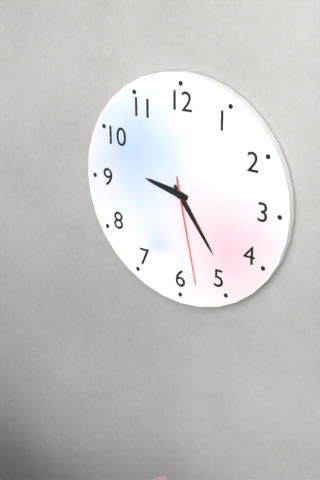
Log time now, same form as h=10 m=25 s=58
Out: h=9 m=24 s=28
